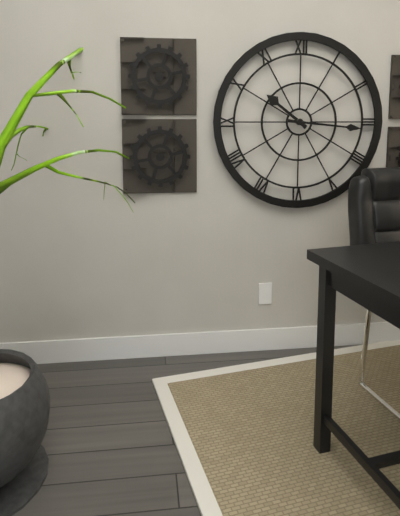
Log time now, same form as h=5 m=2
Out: h=10 m=16
